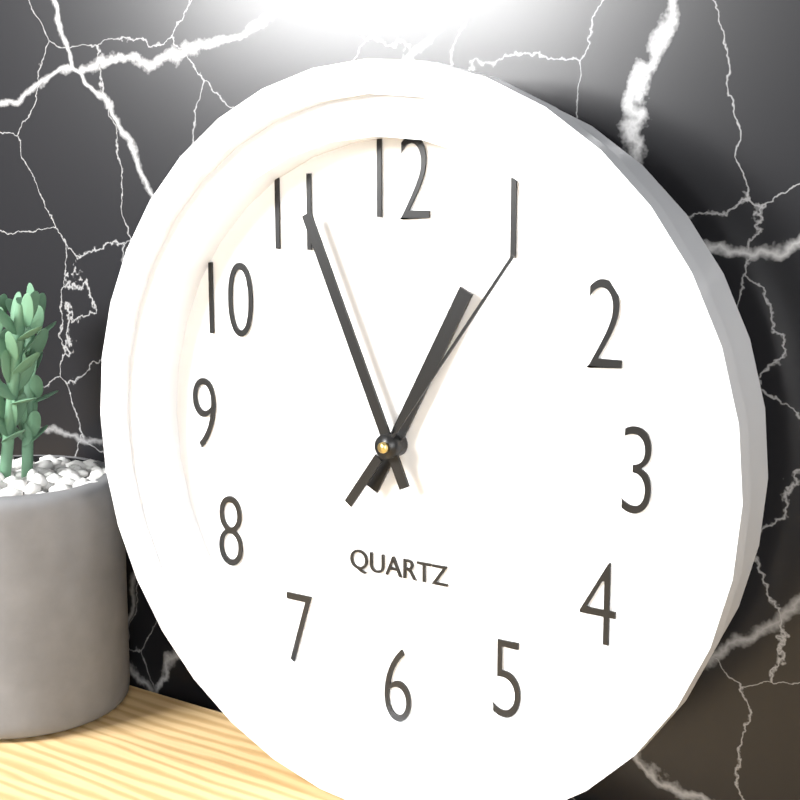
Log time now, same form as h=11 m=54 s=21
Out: h=12 m=56 s=6
